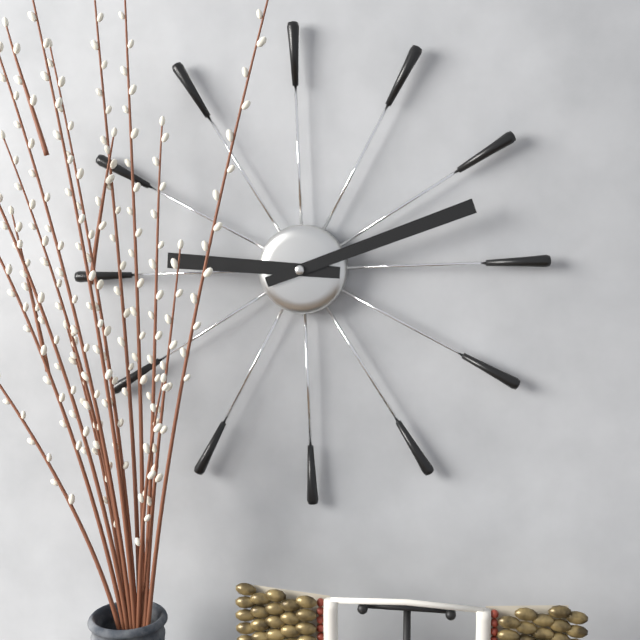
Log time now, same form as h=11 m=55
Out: h=9 m=12
